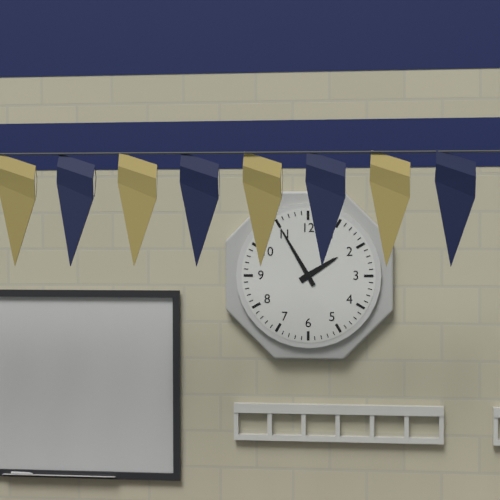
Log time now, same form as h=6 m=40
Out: h=1 m=55
